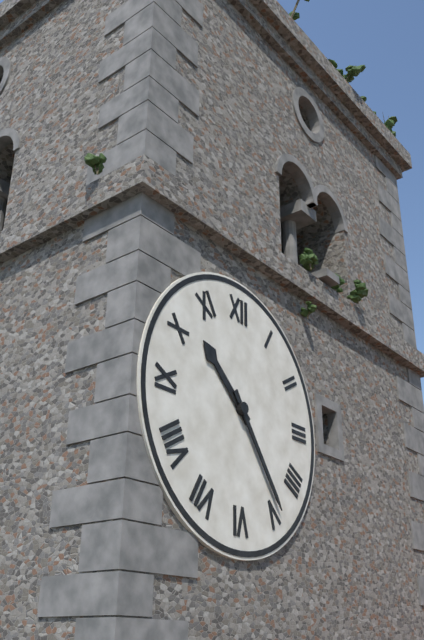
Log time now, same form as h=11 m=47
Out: h=10 m=24
